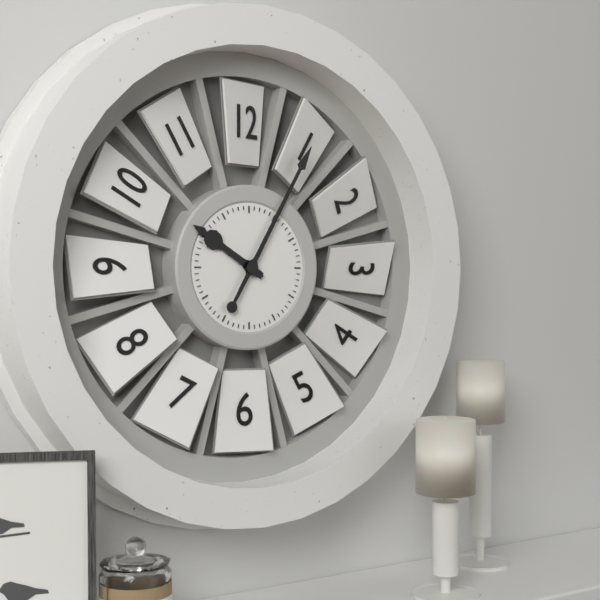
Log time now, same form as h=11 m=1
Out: h=10 m=5
